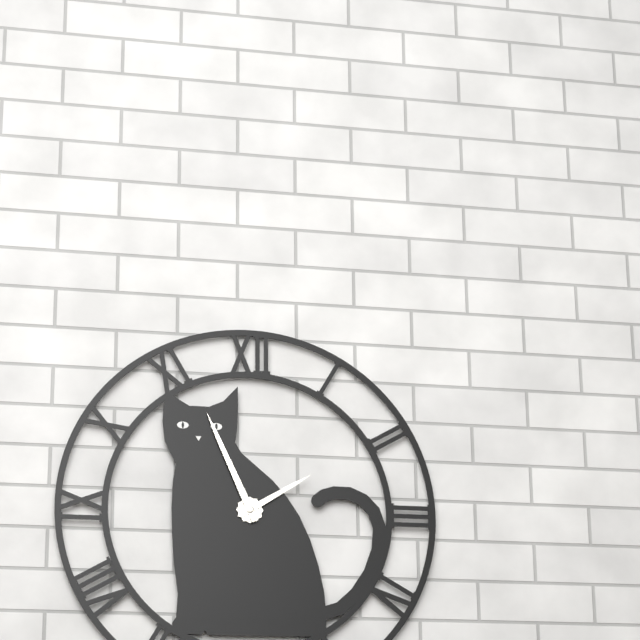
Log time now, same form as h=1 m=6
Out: h=1 m=56
